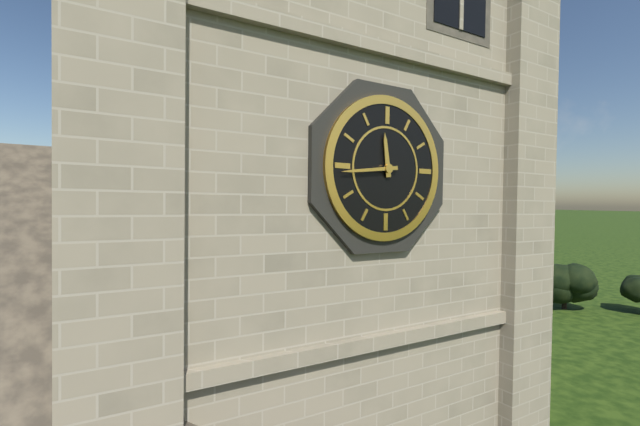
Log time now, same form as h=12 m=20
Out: h=11 m=44
